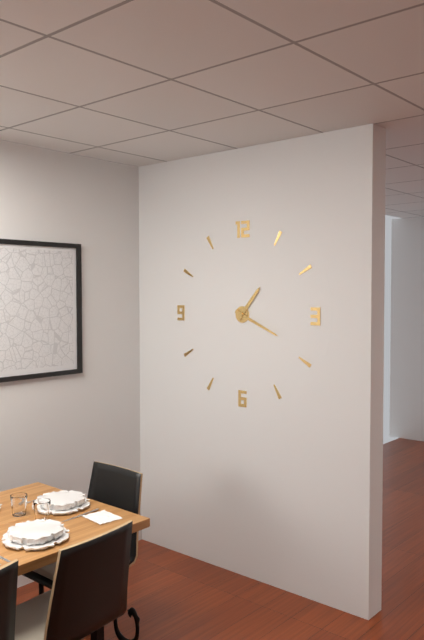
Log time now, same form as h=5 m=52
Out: h=1 m=19
